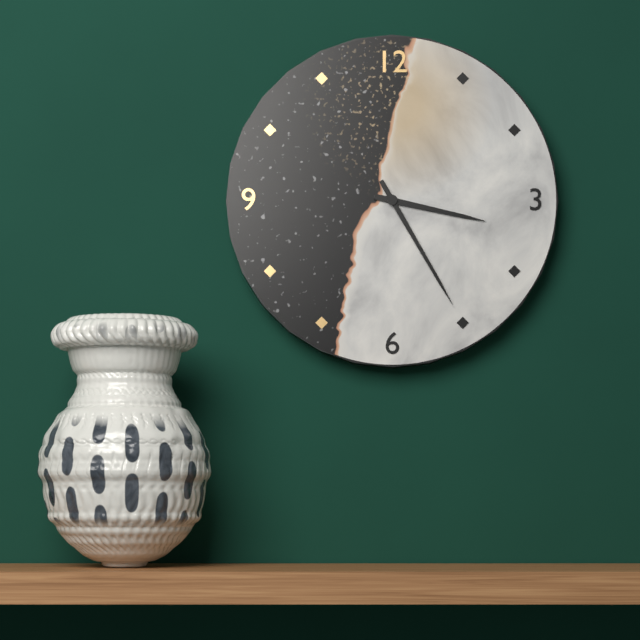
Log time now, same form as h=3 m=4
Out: h=3 m=25
